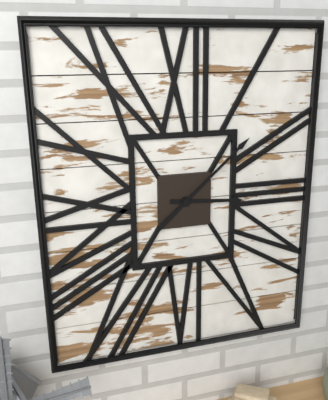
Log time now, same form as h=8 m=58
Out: h=3 m=8
